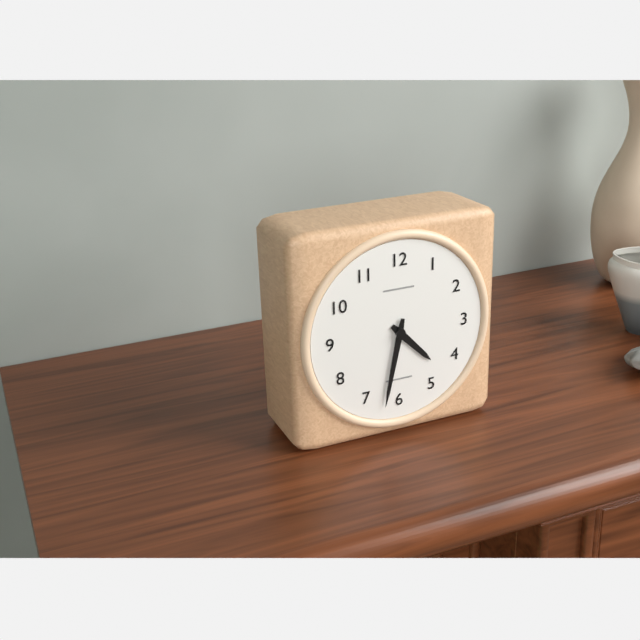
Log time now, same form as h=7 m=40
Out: h=4 m=32
